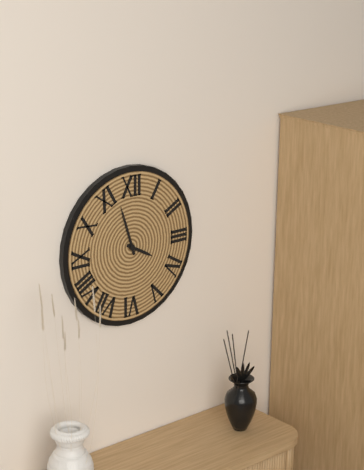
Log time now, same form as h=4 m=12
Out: h=3 m=57
